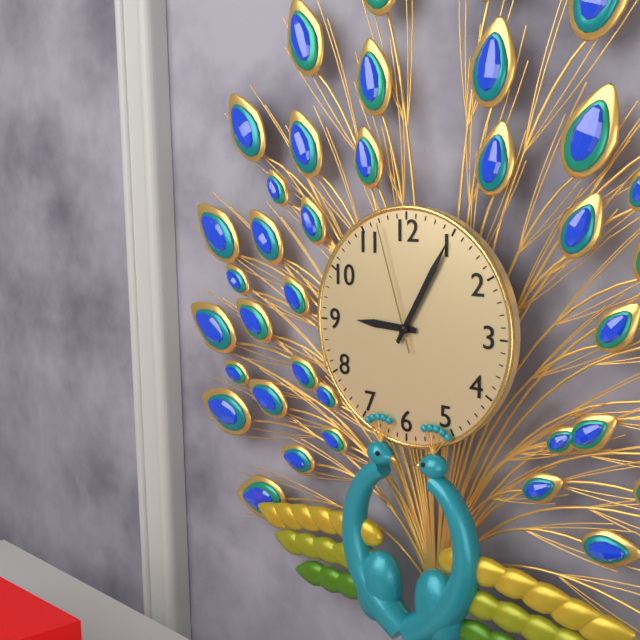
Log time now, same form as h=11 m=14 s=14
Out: h=9 m=5 s=57
